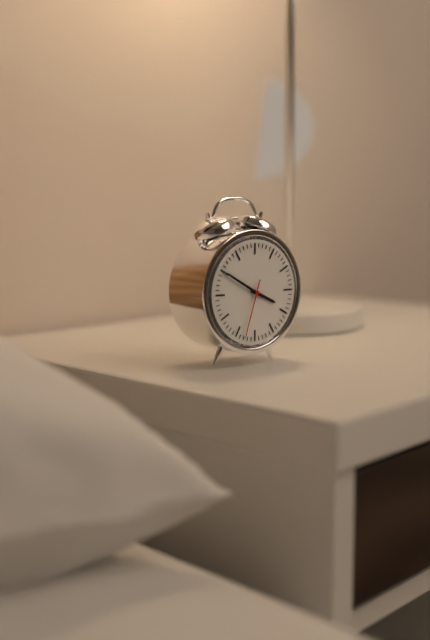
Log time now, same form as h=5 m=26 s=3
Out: h=3 m=50 s=33
